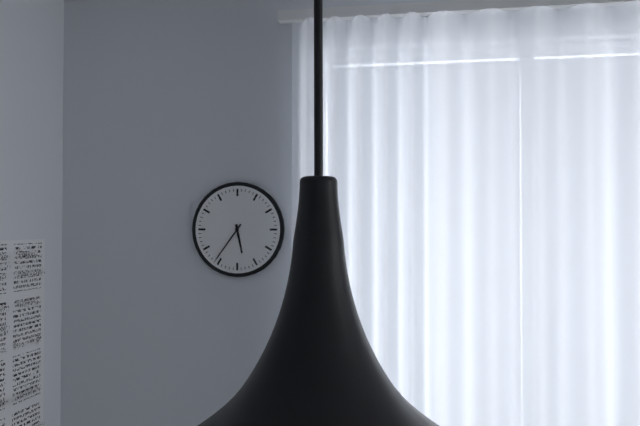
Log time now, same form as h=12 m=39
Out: h=5 m=36
